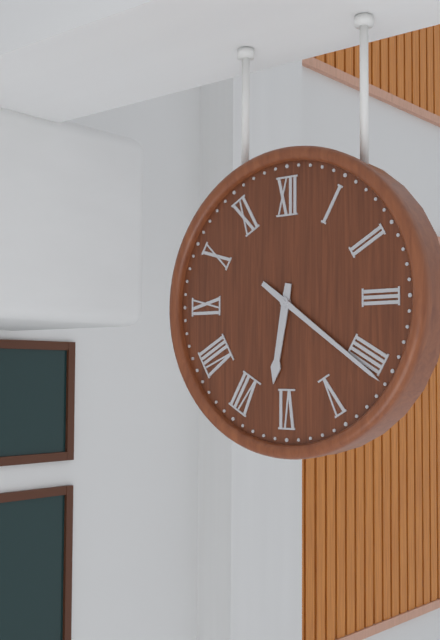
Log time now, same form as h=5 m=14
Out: h=6 m=21
